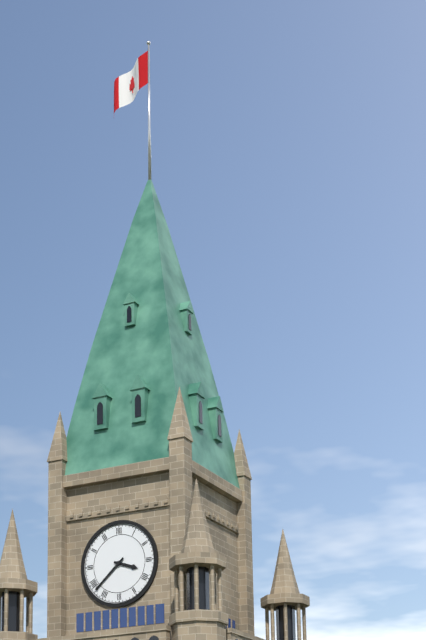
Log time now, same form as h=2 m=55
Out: h=3 m=38
